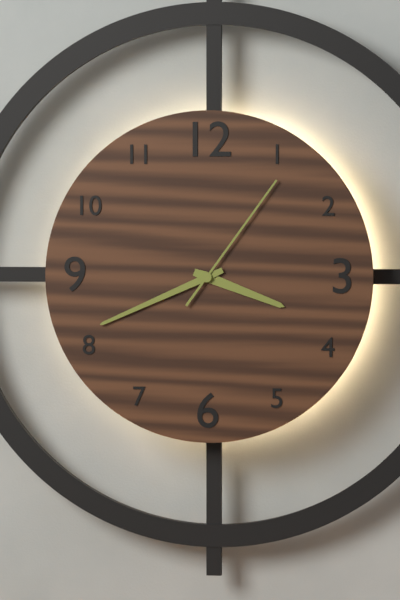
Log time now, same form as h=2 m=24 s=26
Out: h=3 m=41 s=6
